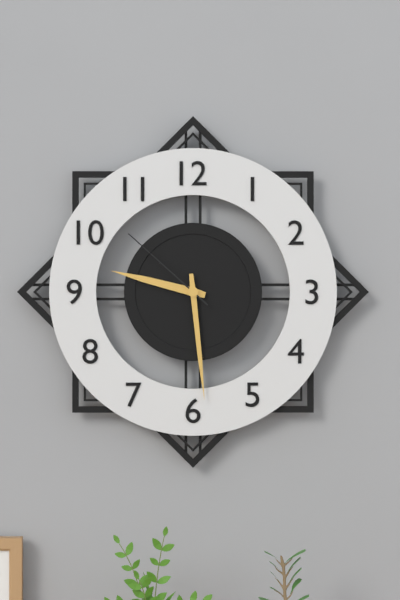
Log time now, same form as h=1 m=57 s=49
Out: h=9 m=29 s=52
